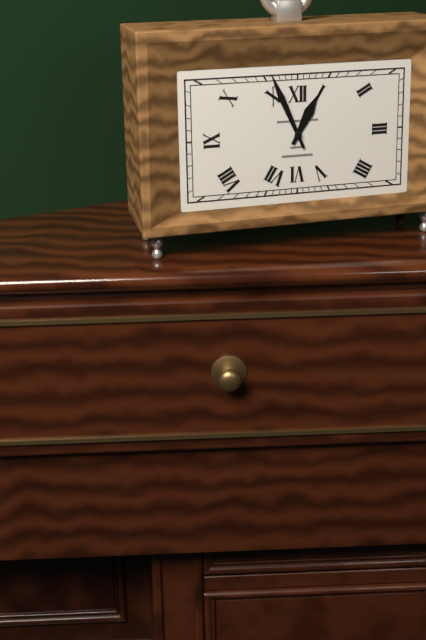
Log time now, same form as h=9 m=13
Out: h=12 m=56
